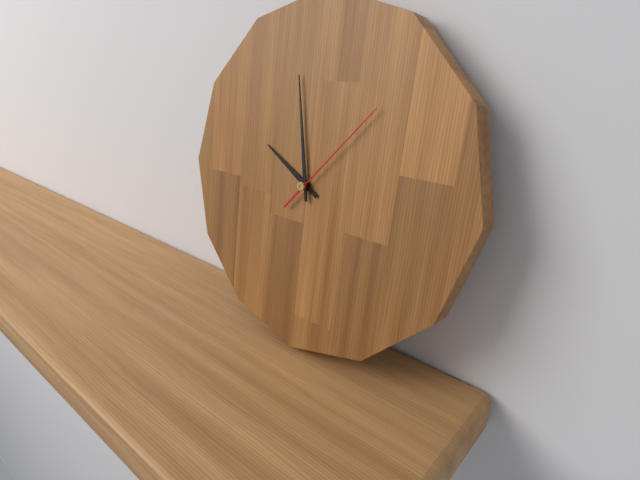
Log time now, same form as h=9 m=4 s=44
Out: h=9 m=58 s=7
